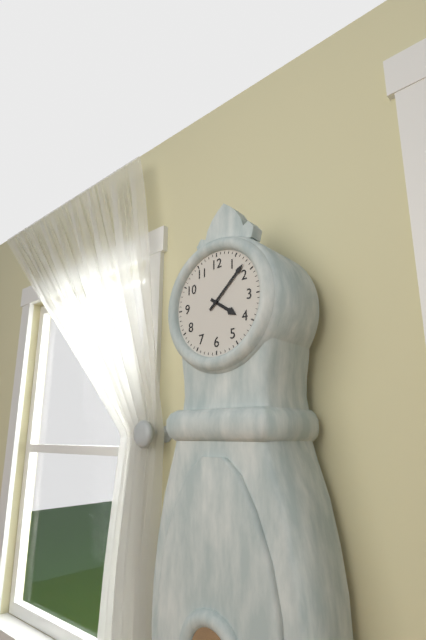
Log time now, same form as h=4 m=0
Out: h=4 m=8
